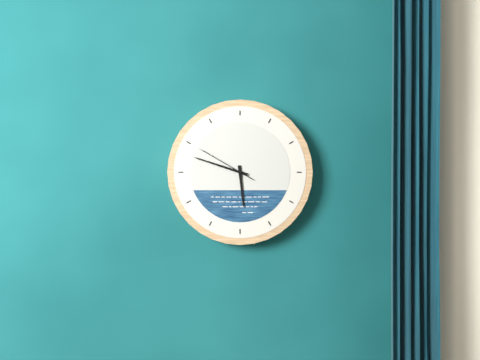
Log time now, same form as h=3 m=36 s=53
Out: h=5 m=48 s=50
